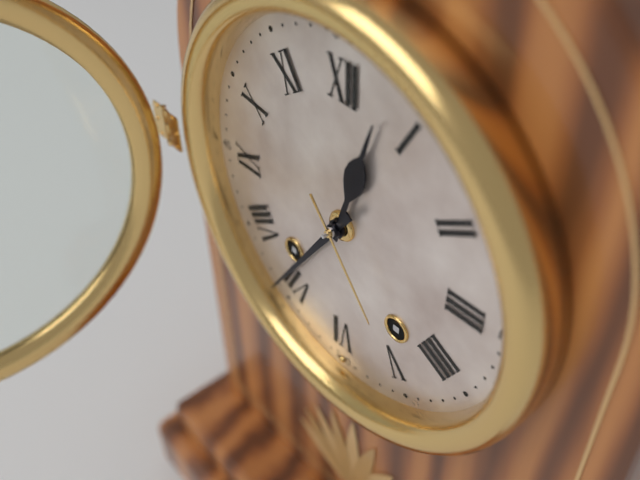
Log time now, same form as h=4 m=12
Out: h=12 m=36
